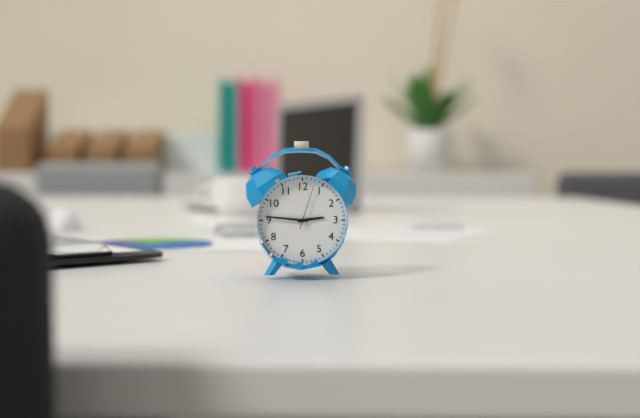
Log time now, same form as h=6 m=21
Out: h=2 m=46
